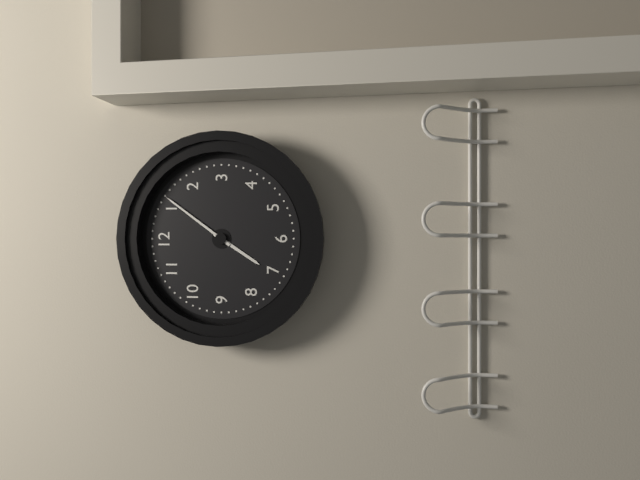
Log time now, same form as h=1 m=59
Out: h=7 m=6
